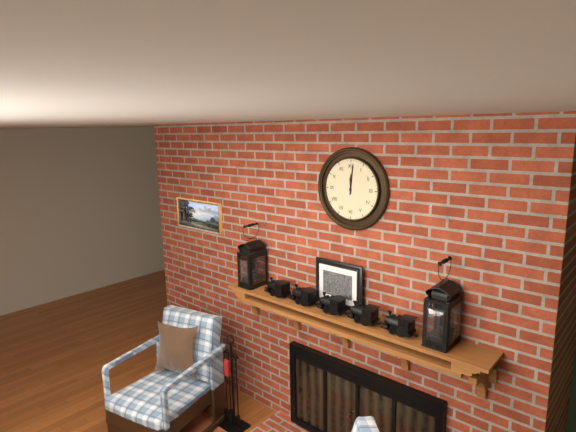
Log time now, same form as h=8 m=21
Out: h=12 m=1
